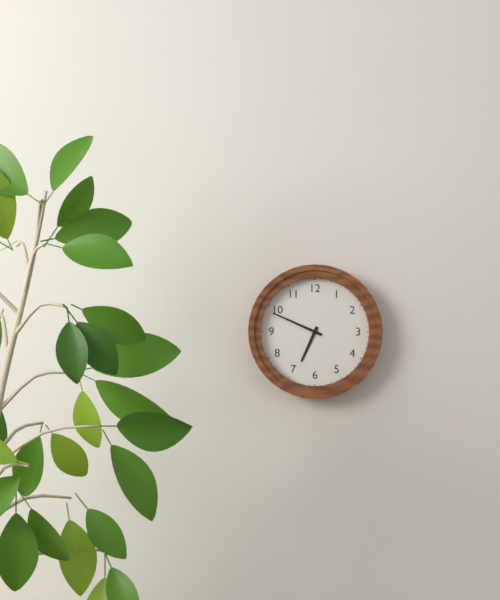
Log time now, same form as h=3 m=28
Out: h=6 m=49
